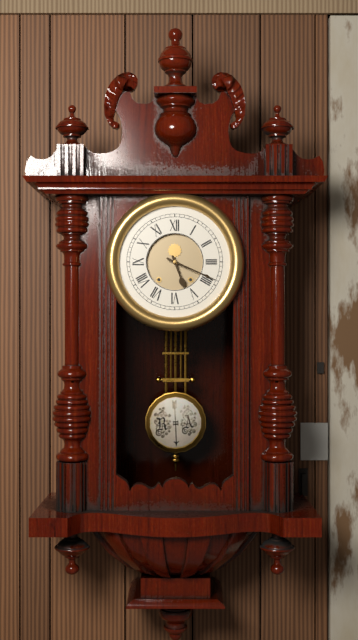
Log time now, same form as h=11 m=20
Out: h=5 m=19
